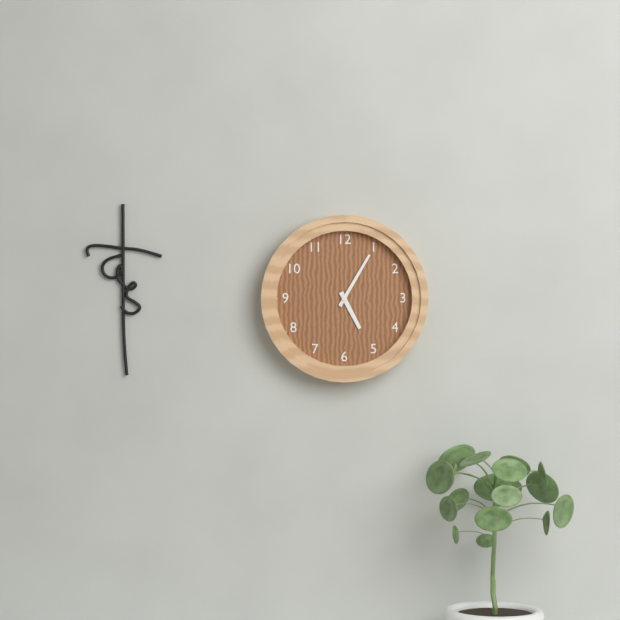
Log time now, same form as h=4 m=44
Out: h=5 m=5
